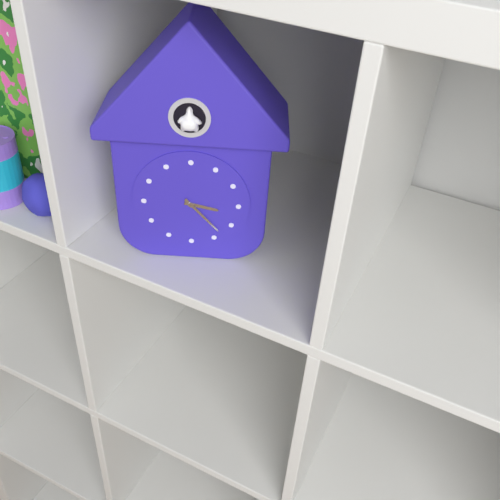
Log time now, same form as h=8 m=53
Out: h=3 m=23
